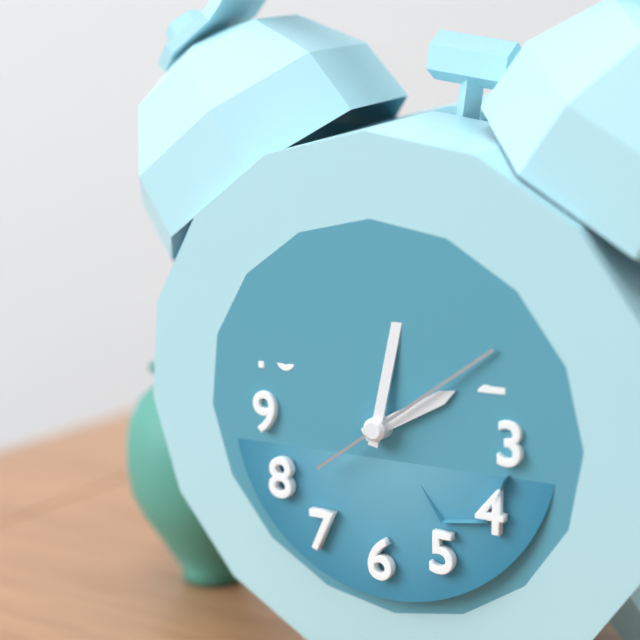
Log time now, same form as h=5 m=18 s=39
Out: h=2 m=2 s=9
